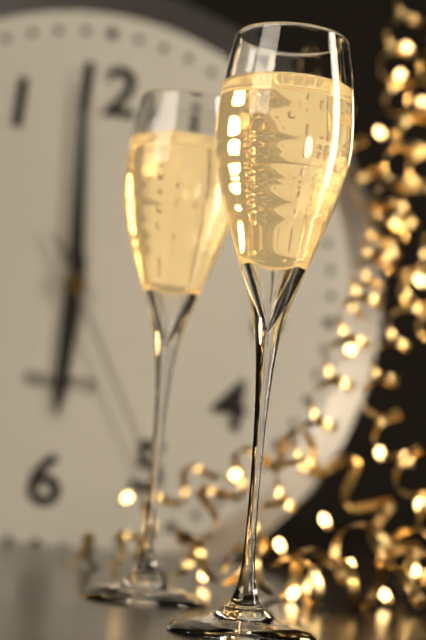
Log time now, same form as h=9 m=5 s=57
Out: h=5 m=59 s=25
